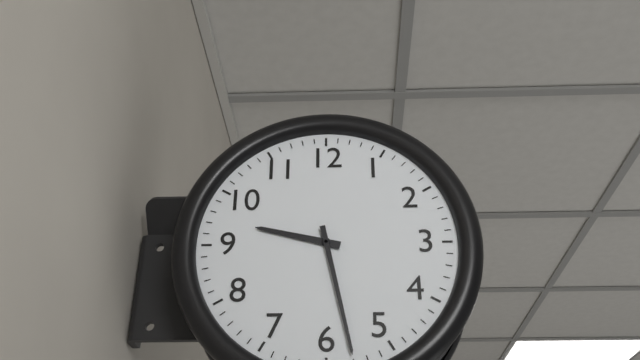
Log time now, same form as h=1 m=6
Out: h=9 m=28
